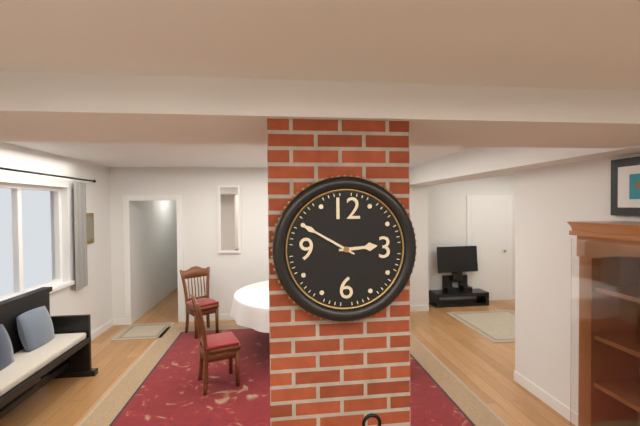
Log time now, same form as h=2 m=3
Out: h=2 m=50
